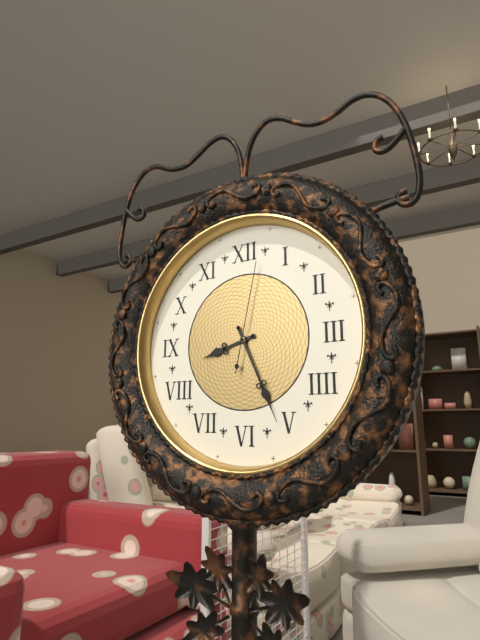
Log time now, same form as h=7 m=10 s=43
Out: h=8 m=26 s=2
